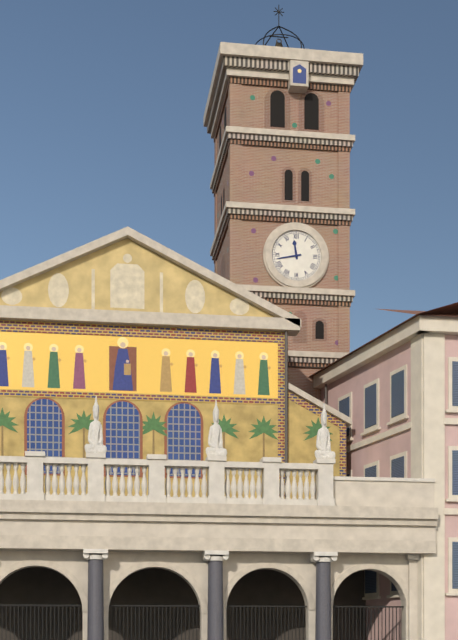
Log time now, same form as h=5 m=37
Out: h=11 m=43
